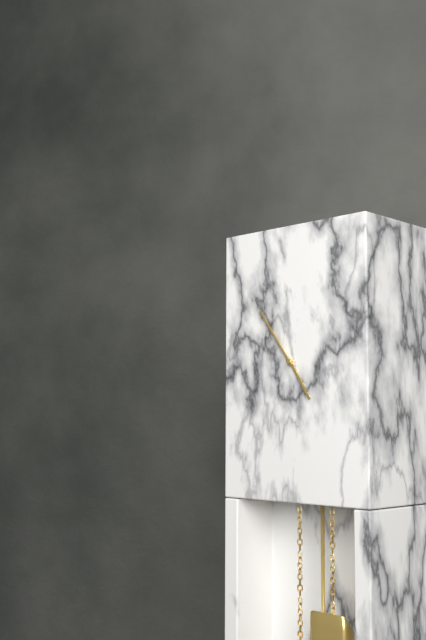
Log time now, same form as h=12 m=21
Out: h=4 m=54
